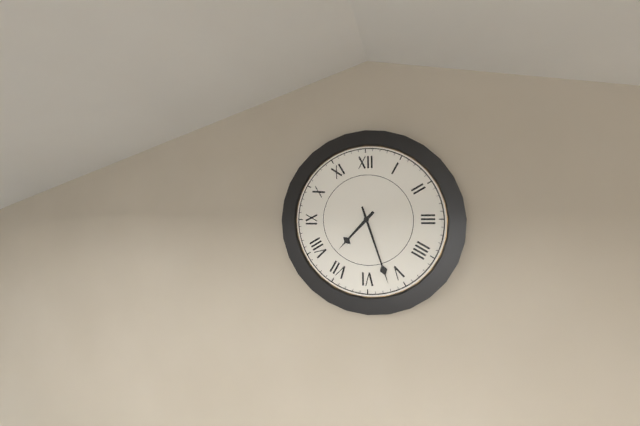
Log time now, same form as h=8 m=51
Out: h=7 m=27
